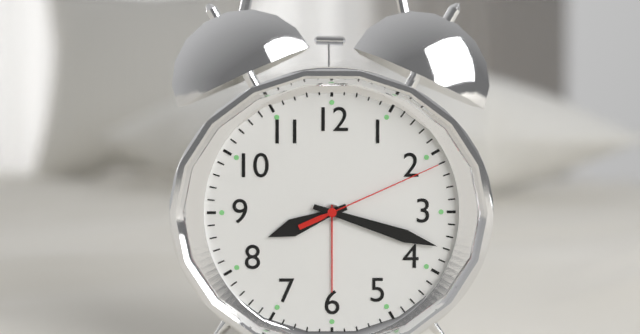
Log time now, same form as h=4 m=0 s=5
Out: h=8 m=18 s=11
